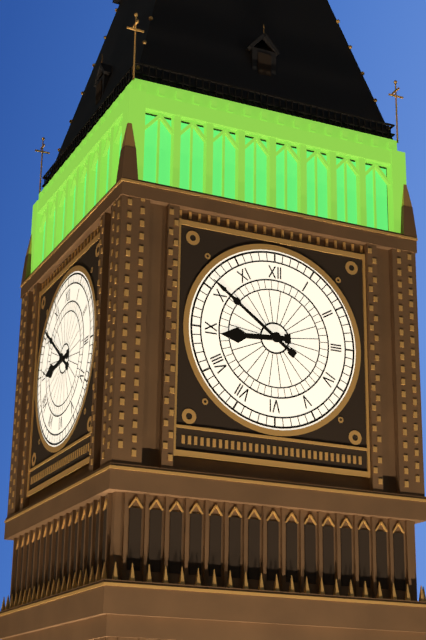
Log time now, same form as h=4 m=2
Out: h=8 m=51
